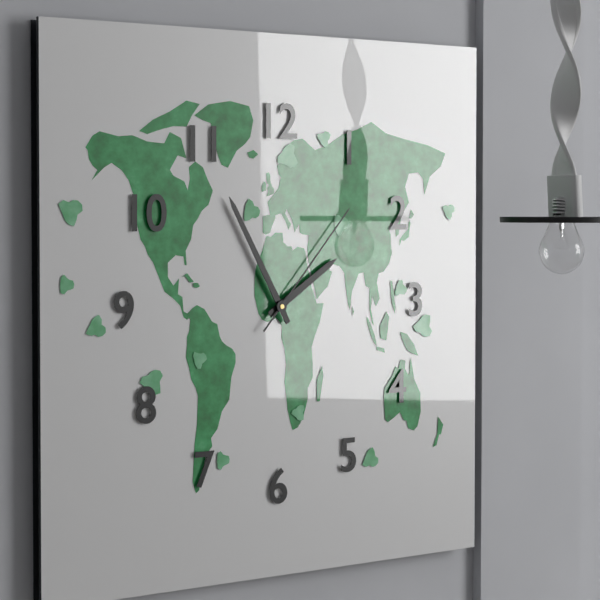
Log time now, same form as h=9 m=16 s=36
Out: h=1 m=55 s=7
